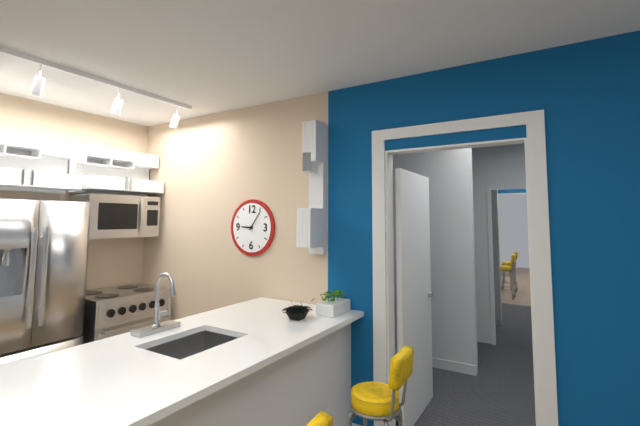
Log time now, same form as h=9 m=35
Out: h=9 m=6
